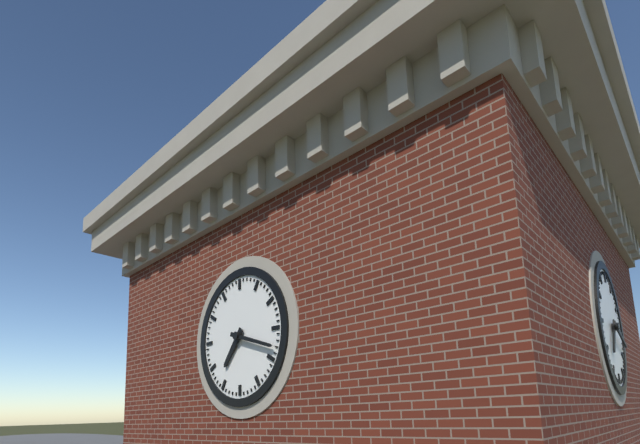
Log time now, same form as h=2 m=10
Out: h=7 m=18
